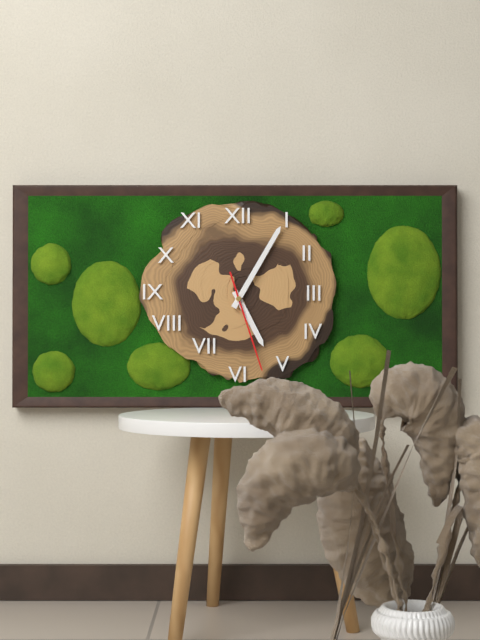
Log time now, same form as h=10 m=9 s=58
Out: h=5 m=5 s=27
